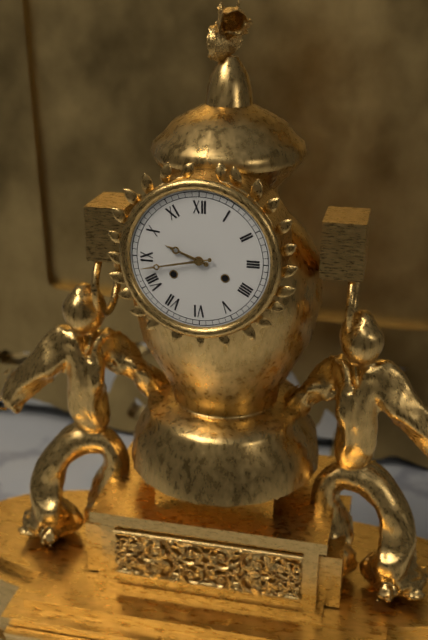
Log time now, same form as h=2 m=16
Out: h=9 m=43
